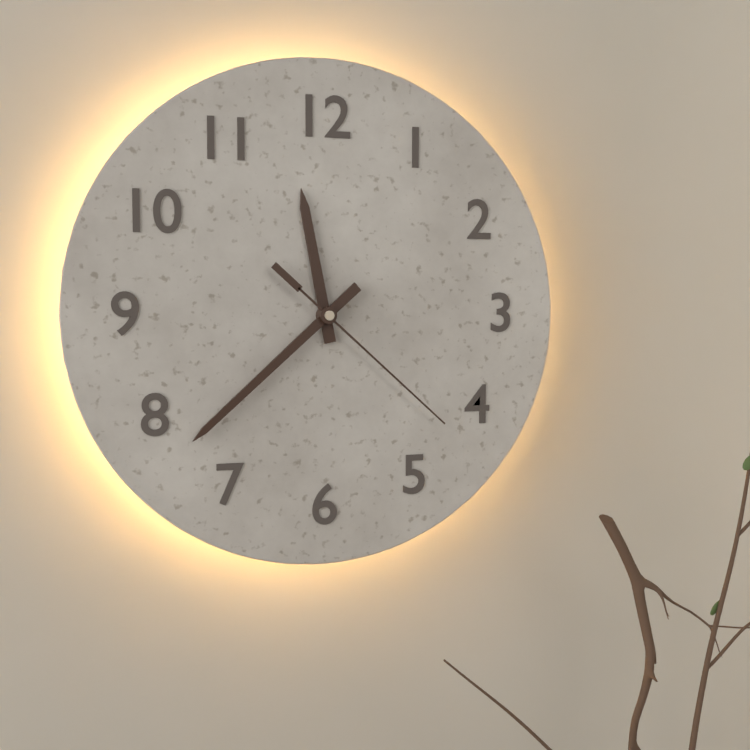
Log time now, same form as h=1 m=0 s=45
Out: h=11 m=38 s=22
